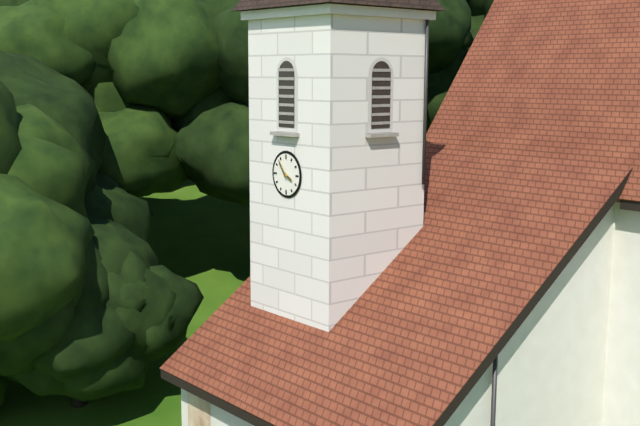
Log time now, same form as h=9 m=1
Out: h=3 m=54
